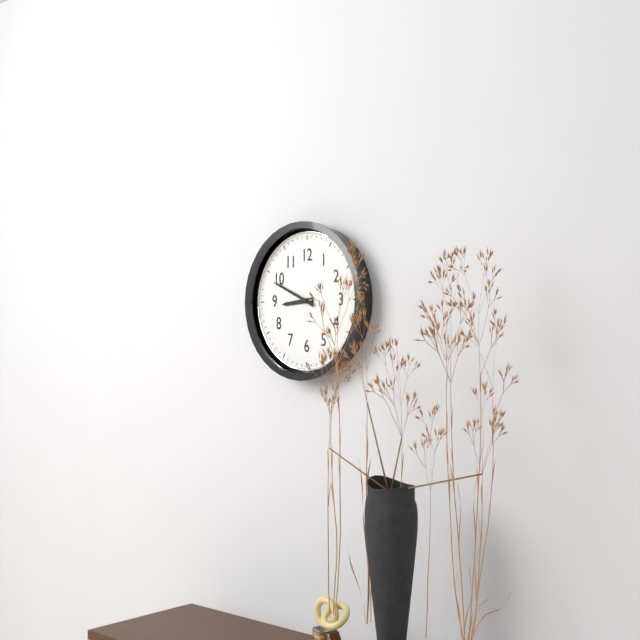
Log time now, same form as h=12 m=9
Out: h=8 m=49
